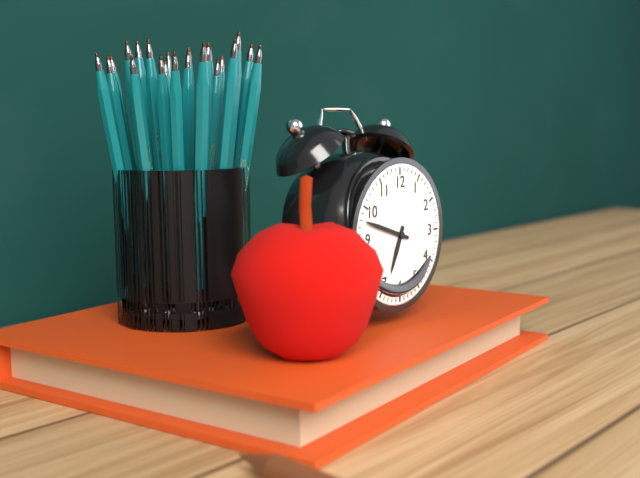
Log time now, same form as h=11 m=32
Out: h=6 m=48
